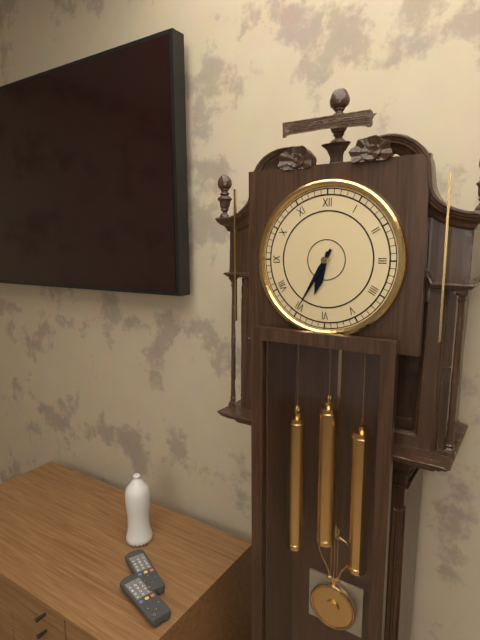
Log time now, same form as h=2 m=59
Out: h=6 m=35
